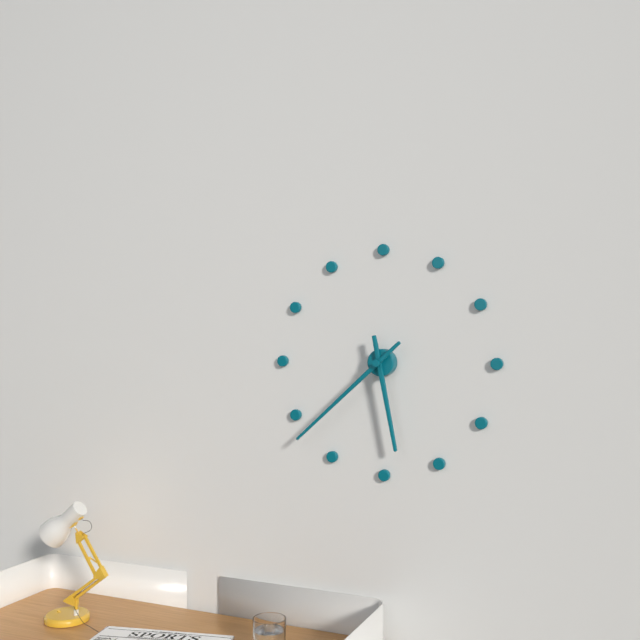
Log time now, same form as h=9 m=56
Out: h=5 m=38
